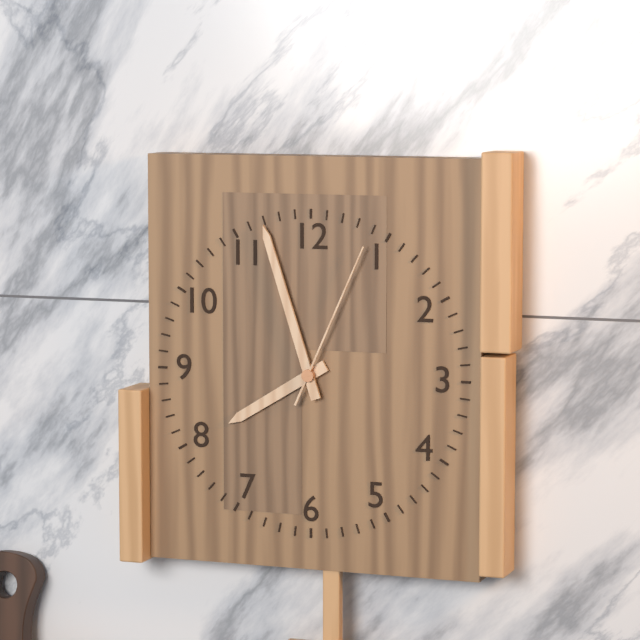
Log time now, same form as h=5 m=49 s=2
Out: h=7 m=57 s=4
